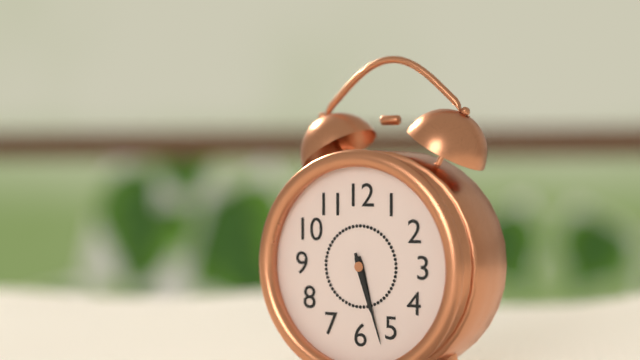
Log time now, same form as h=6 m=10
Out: h=5 m=27
